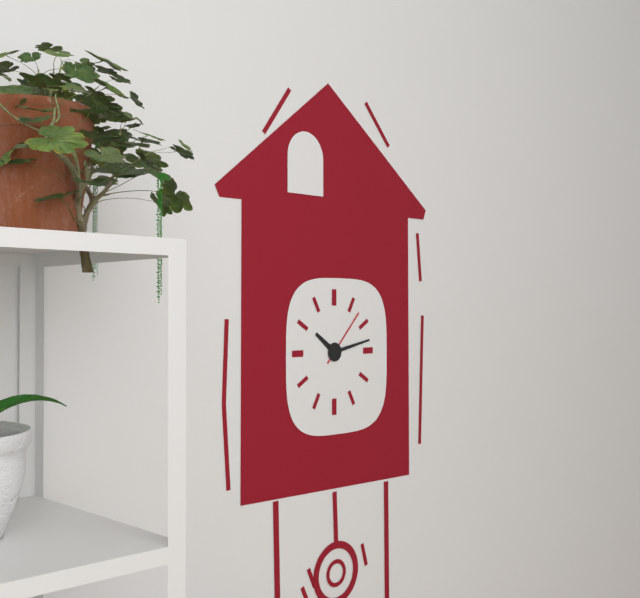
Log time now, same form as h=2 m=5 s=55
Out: h=10 m=13 s=7
